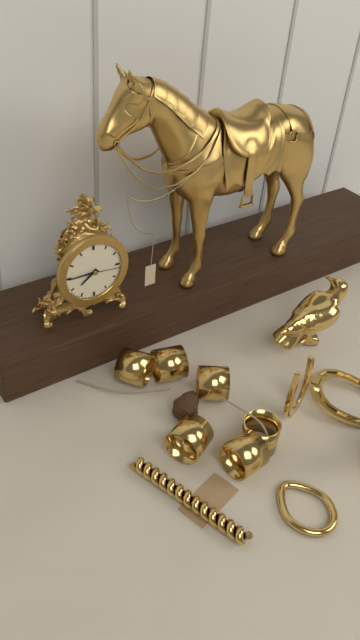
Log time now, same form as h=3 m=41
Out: h=7 m=45
